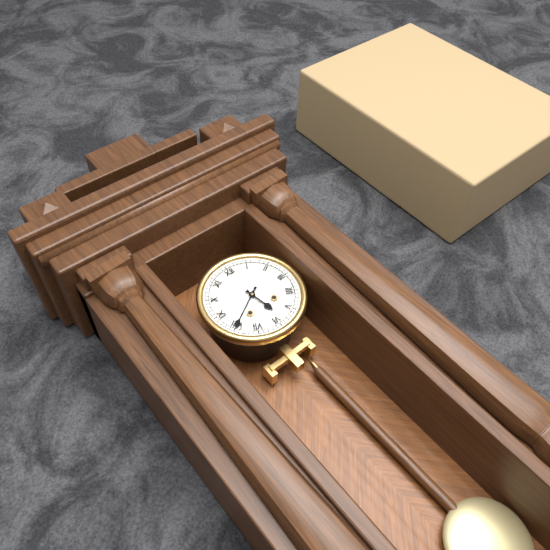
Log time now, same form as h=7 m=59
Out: h=5 m=40
